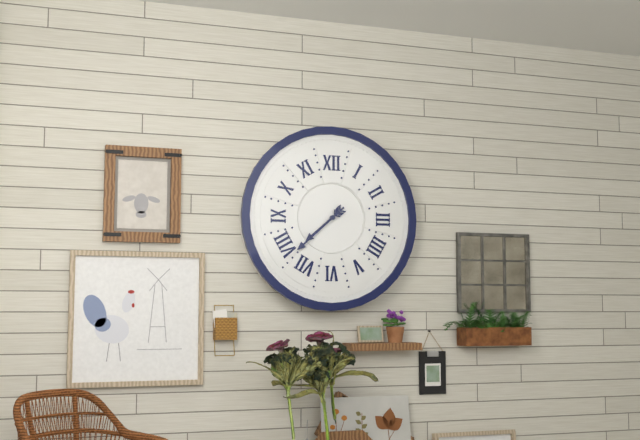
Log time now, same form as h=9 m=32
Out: h=7 m=38
